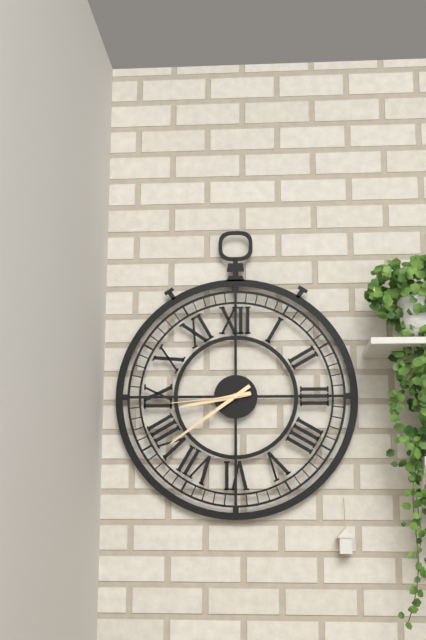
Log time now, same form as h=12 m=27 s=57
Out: h=8 m=39 s=44
